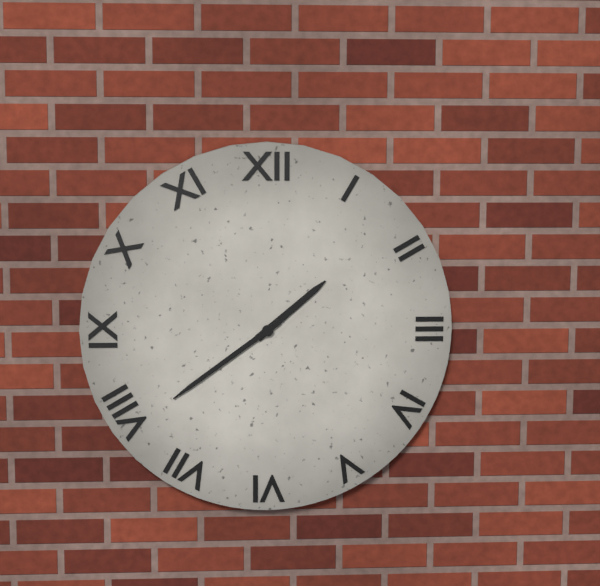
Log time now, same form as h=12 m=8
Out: h=1 m=39
